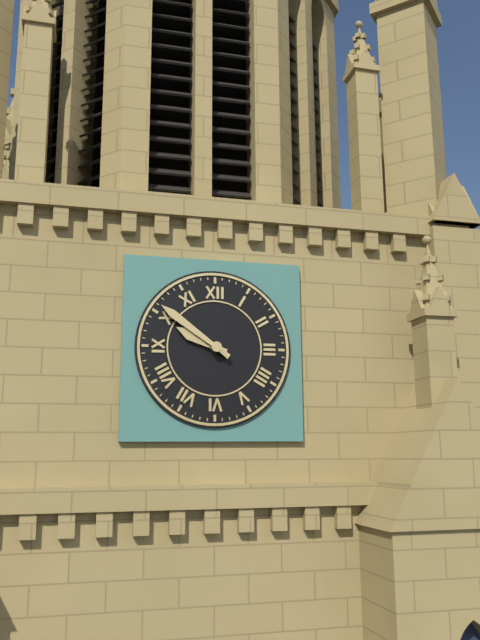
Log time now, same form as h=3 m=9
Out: h=9 m=51
